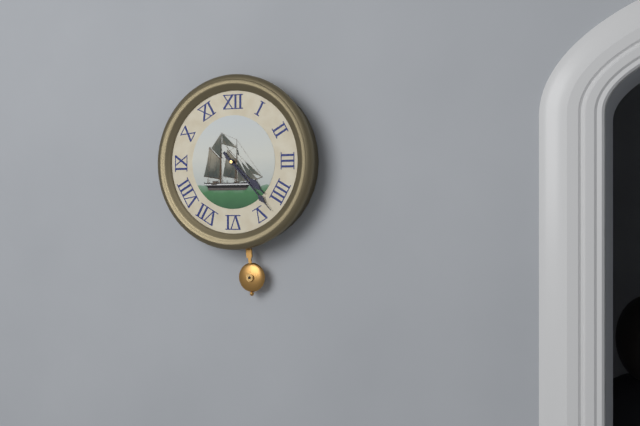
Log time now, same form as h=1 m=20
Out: h=4 m=23
